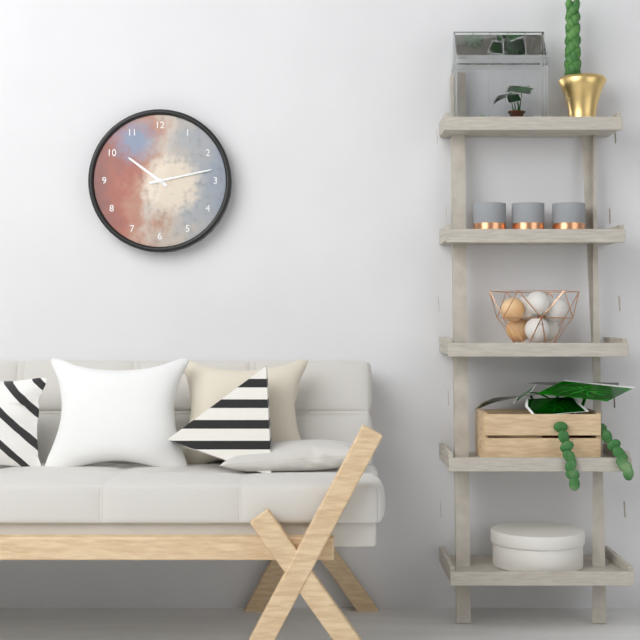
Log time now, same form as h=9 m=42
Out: h=10 m=13
